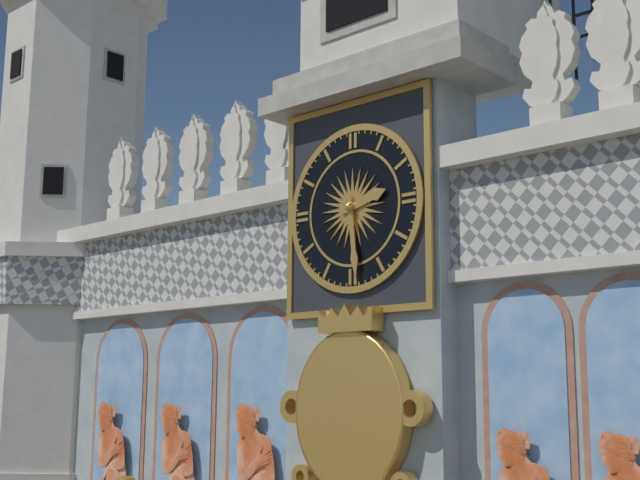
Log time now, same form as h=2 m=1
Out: h=2 m=29
